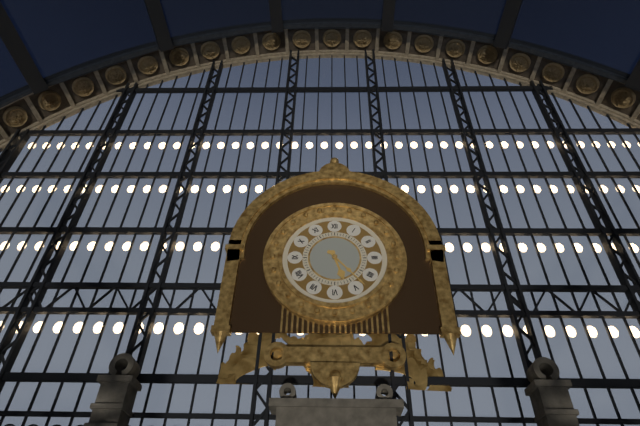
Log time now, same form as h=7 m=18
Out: h=5 m=23
